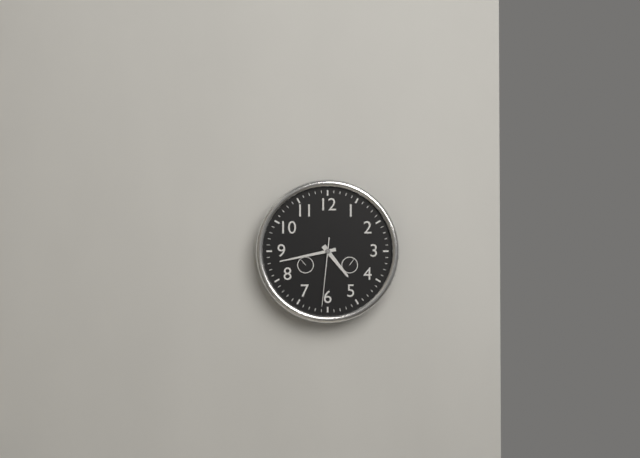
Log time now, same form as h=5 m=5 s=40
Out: h=4 m=43 s=31
